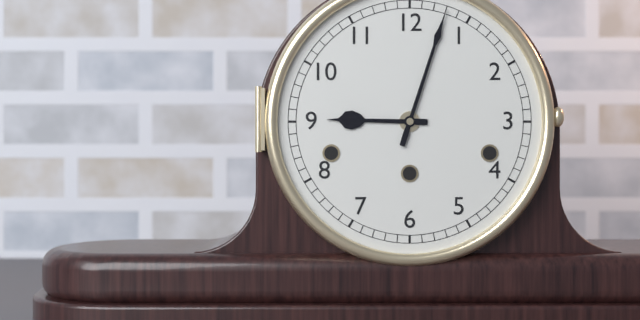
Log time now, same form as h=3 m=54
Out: h=9 m=3
